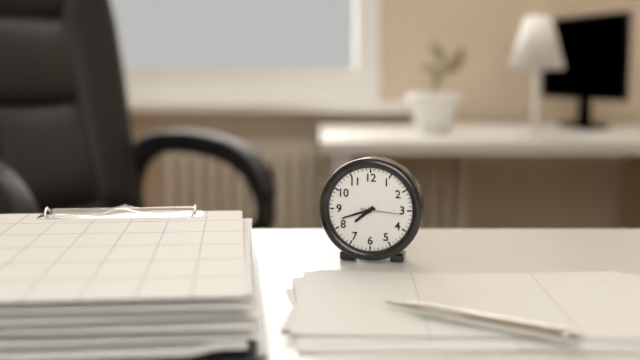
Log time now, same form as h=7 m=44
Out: h=7 m=42
